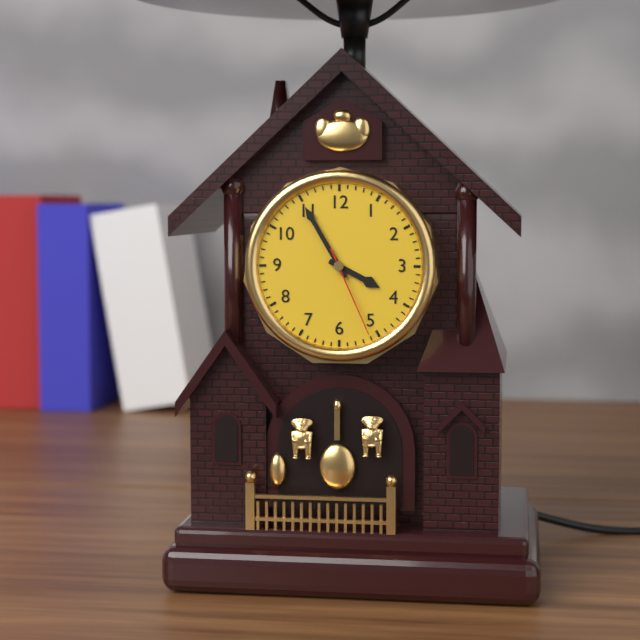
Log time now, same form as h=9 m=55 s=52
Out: h=3 m=55 s=26
